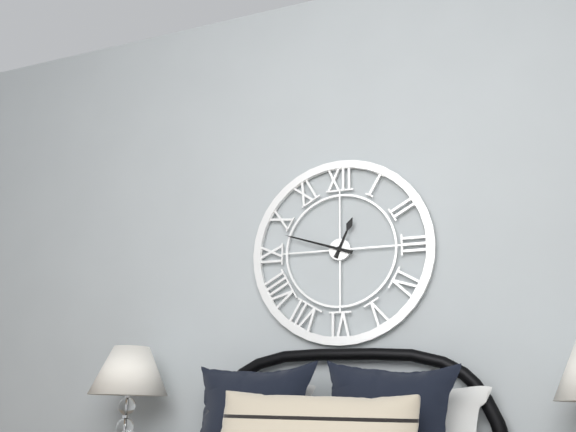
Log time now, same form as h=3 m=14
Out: h=12 m=48
